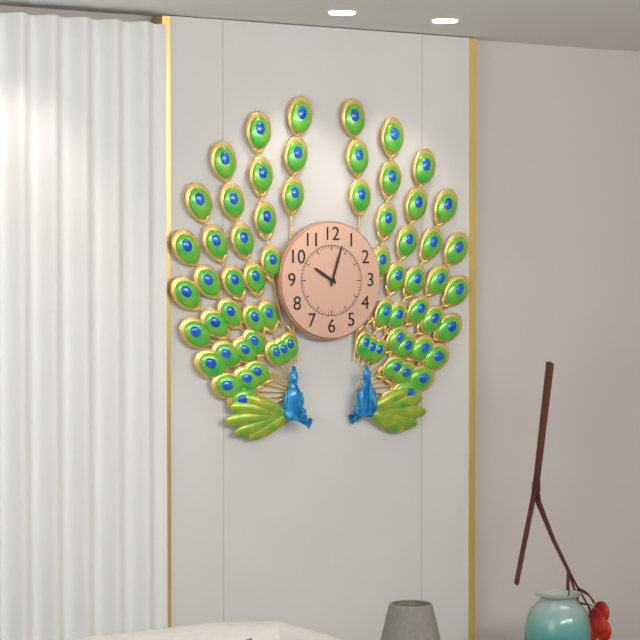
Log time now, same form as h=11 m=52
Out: h=10 m=3
